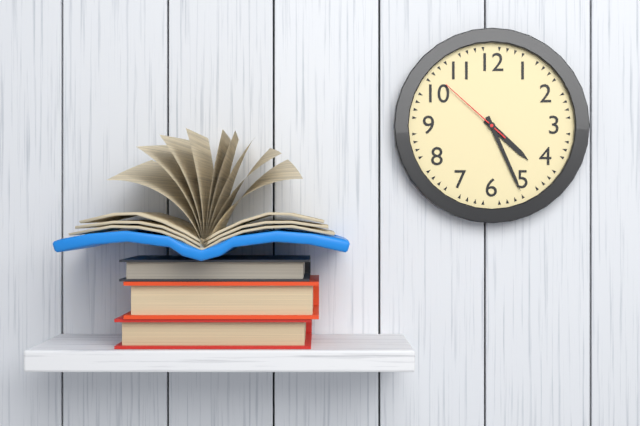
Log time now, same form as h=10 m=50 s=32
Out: h=4 m=26 s=52
